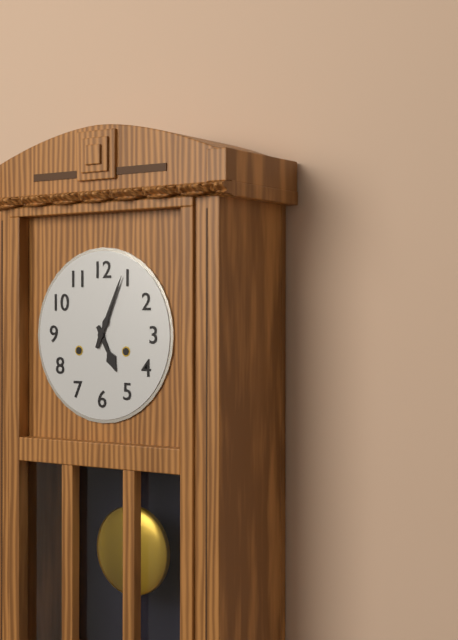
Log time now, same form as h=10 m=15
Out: h=5 m=4
